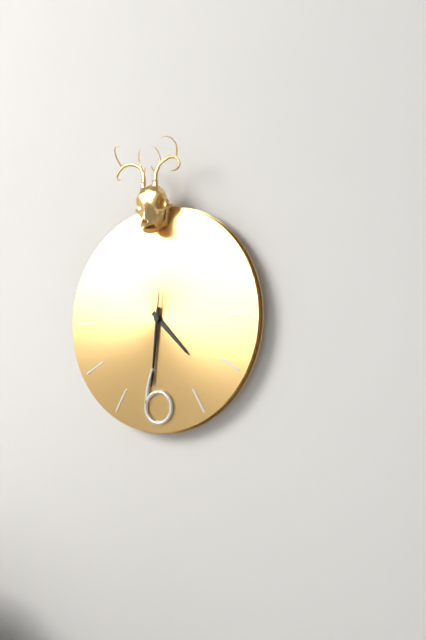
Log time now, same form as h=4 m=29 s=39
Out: h=4 m=31 s=31
